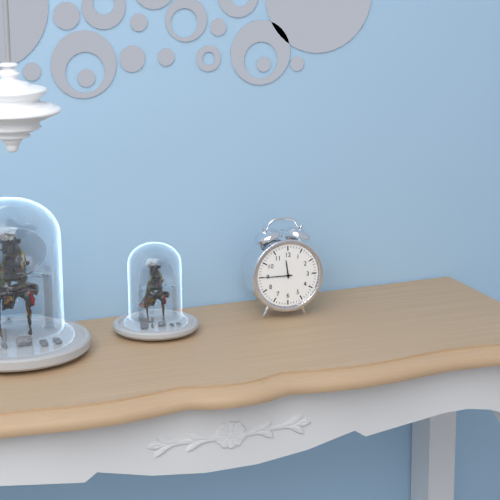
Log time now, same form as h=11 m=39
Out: h=11 m=45
